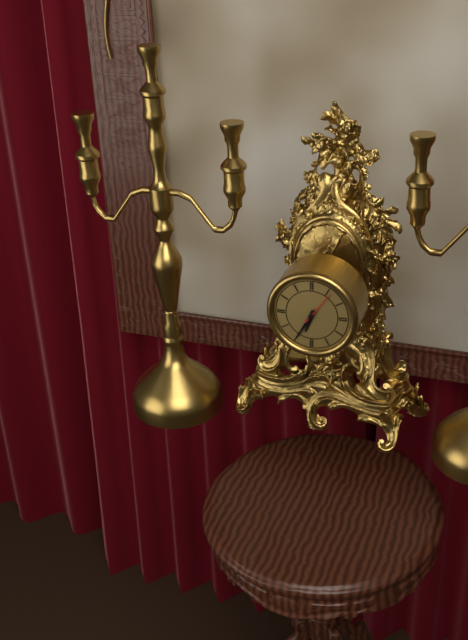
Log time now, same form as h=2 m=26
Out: h=6 m=35
